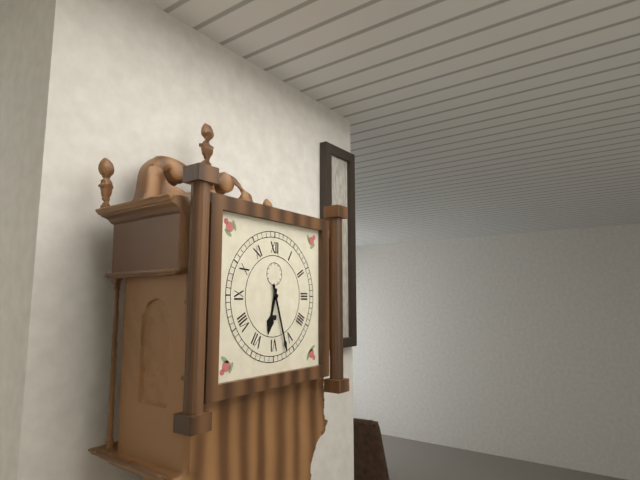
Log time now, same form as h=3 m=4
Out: h=6 m=27
